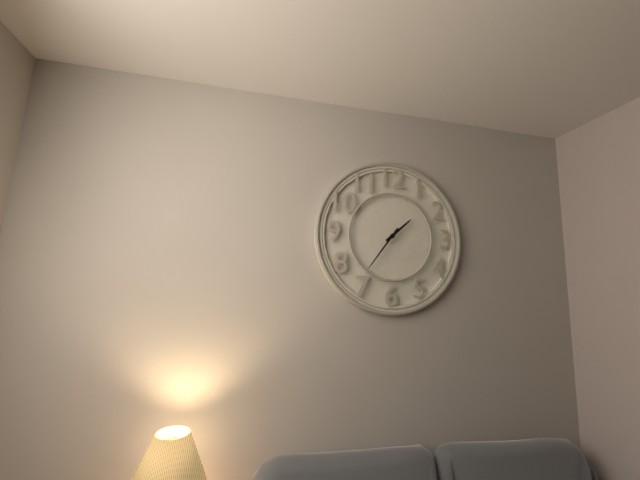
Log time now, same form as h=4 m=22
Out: h=1 m=36
